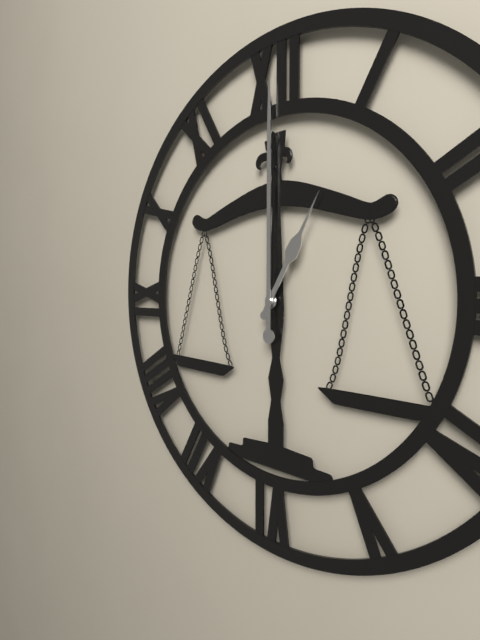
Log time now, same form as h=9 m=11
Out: h=1 m=0
